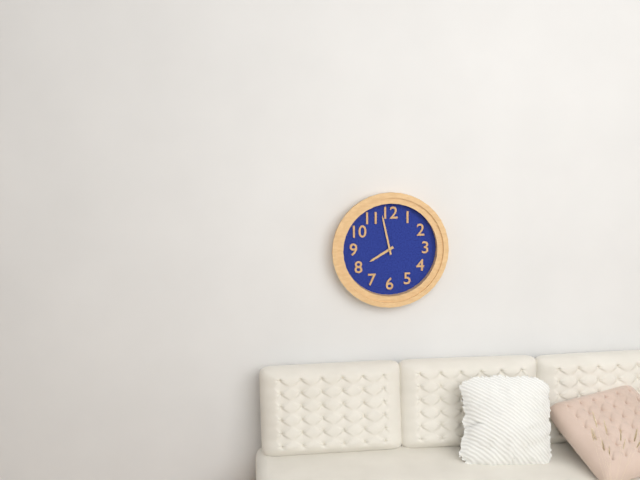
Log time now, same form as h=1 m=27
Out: h=7 m=58
